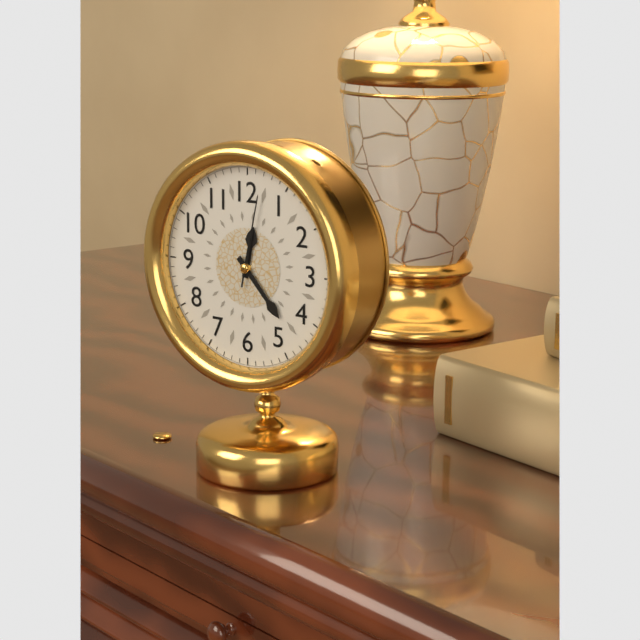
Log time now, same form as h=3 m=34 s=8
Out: h=12 m=23 s=2
